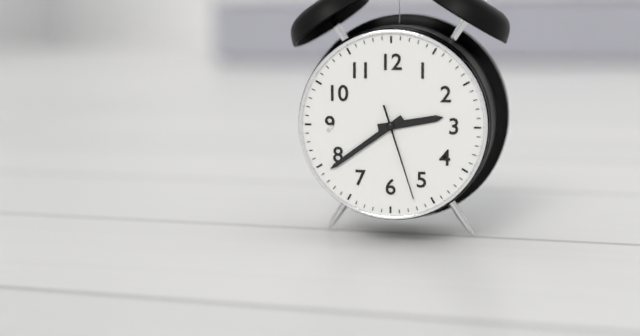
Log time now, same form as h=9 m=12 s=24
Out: h=2 m=39 s=27
